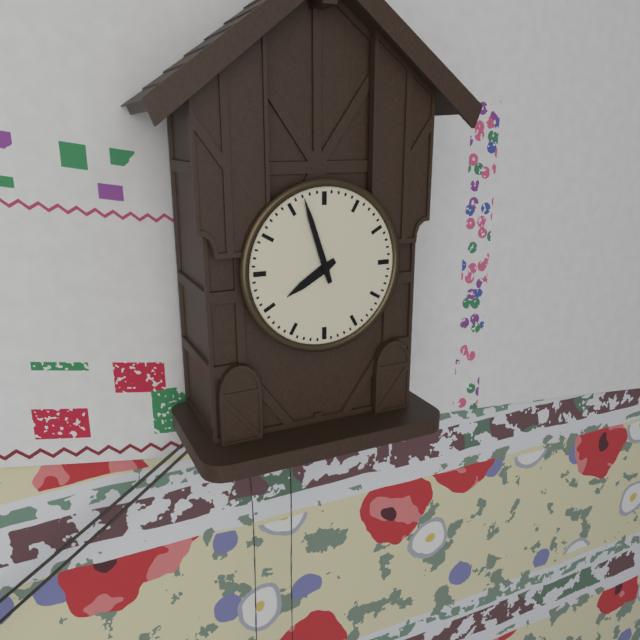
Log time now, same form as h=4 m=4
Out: h=7 m=57
